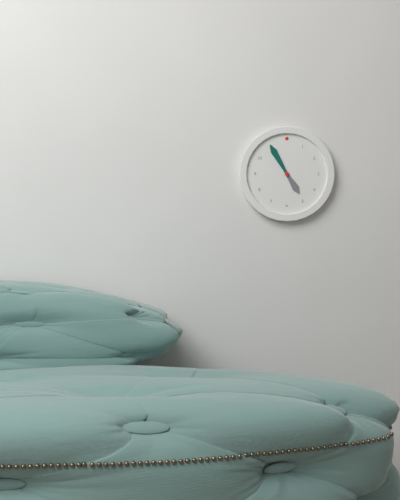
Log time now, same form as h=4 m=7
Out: h=4 m=55
